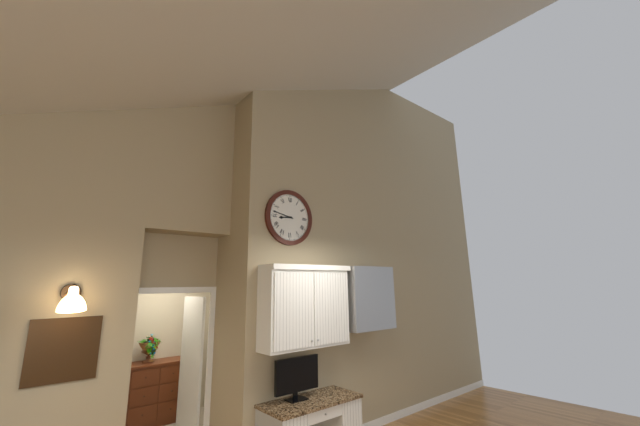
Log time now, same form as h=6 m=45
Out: h=8 m=47
